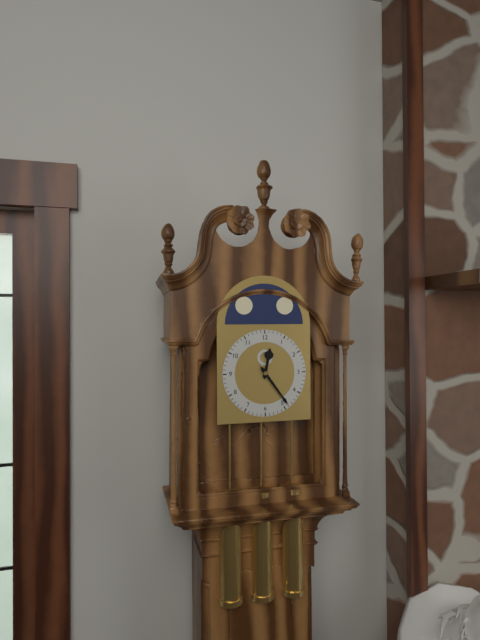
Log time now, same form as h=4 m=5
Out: h=12 m=24
